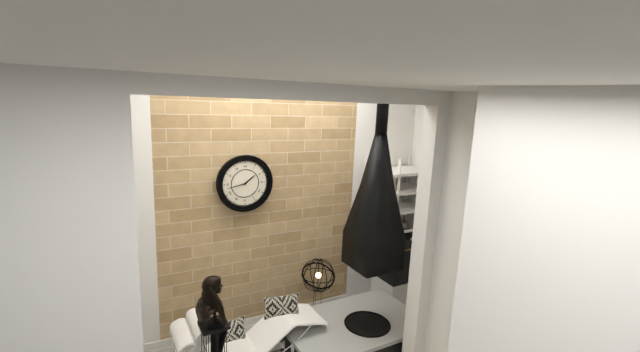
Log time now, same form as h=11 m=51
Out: h=1 m=43
